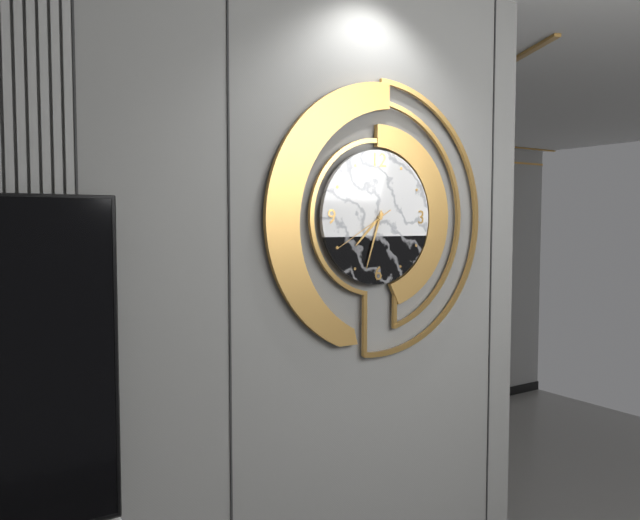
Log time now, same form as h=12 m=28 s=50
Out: h=7 m=33 s=40
